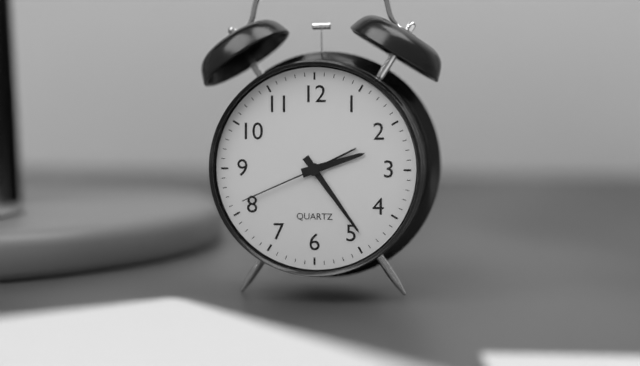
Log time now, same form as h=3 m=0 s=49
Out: h=2 m=24 s=41
